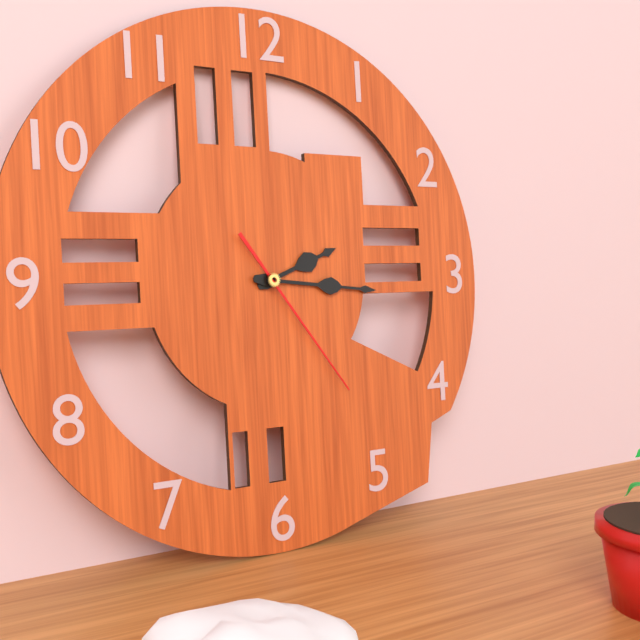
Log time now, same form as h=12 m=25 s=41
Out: h=2 m=16 s=24
